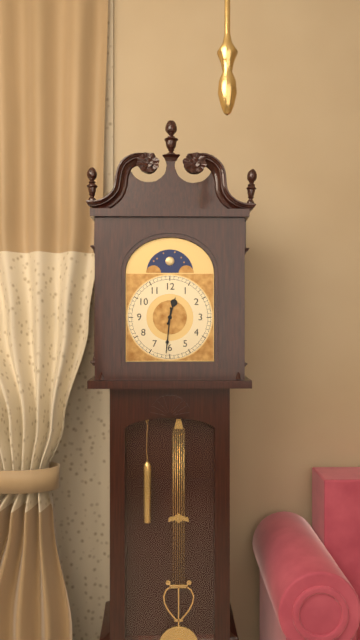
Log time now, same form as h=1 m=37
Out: h=12 m=31
